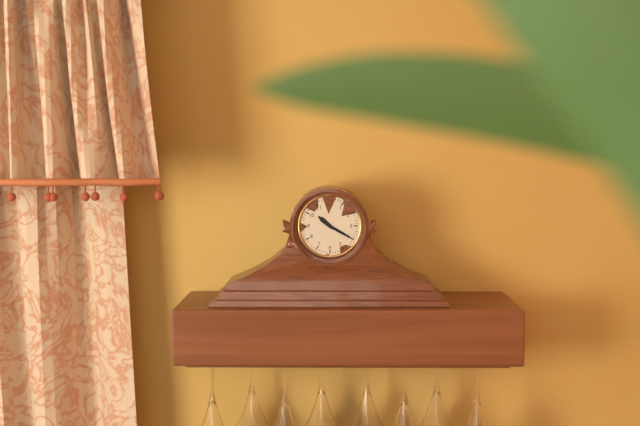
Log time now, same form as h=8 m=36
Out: h=10 m=20
